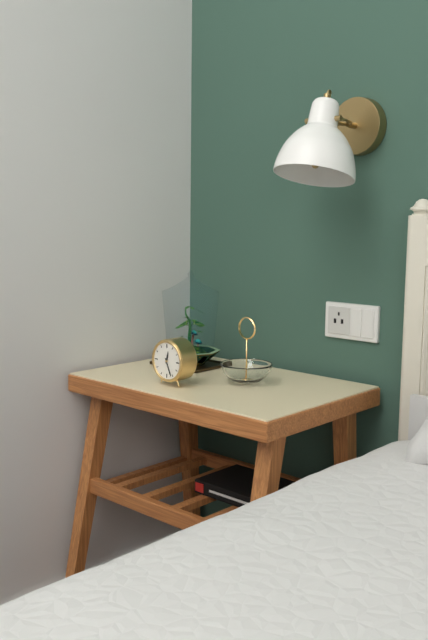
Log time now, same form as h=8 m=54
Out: h=12 m=26
